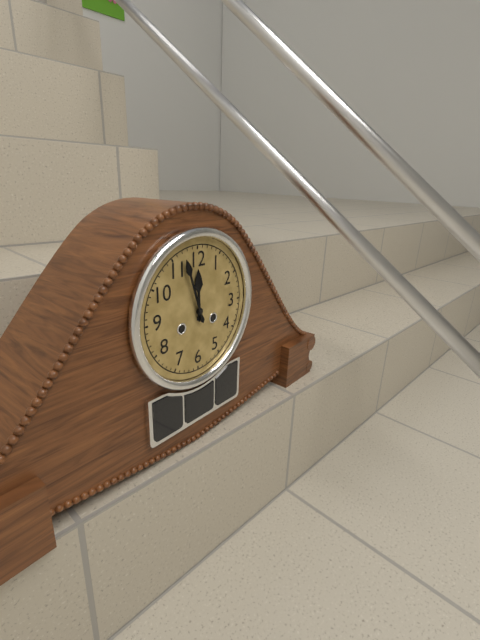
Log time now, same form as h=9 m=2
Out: h=11 m=57
